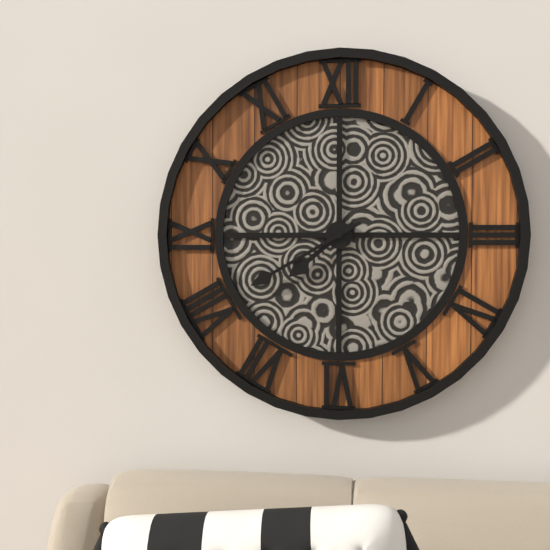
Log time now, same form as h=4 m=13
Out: h=7 m=40
